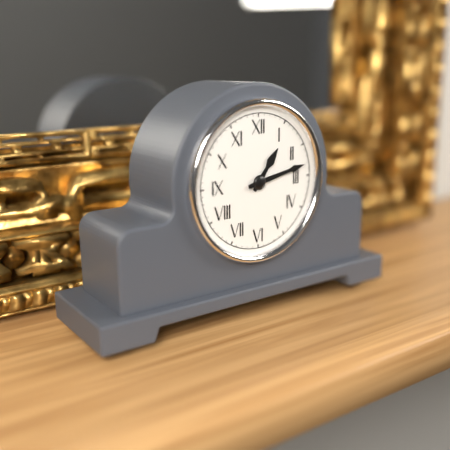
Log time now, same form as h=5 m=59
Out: h=1 m=13
